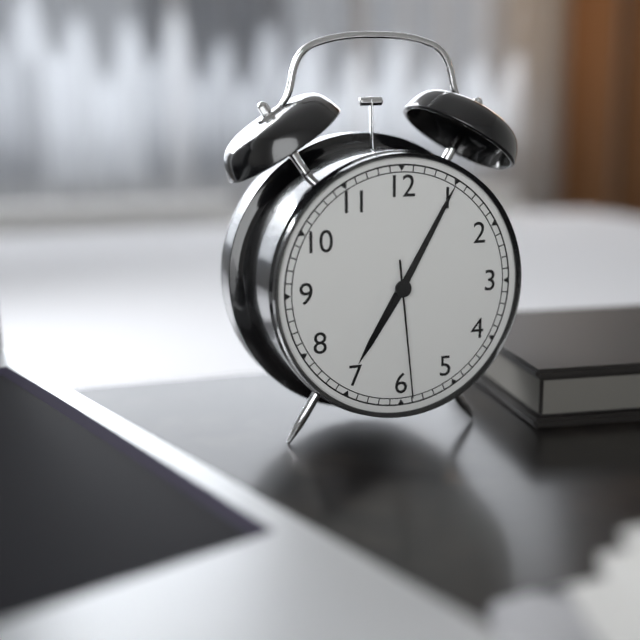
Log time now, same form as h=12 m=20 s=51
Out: h=7 m=5 s=29
